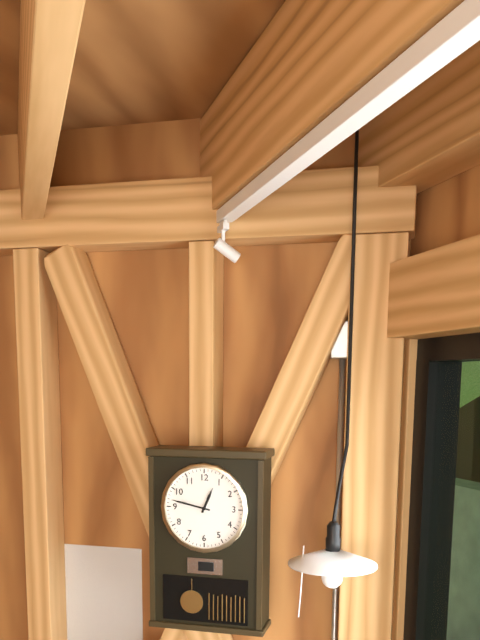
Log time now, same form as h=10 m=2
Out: h=12 m=47
